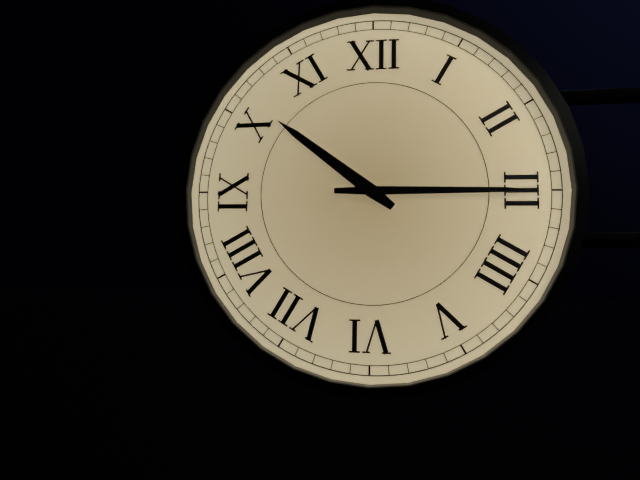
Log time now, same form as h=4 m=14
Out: h=10 m=15
